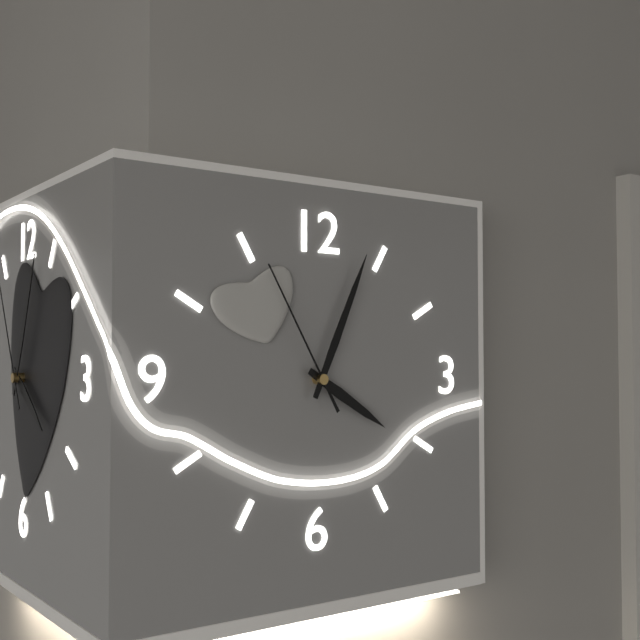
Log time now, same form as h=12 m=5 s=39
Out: h=4 m=4 s=55
